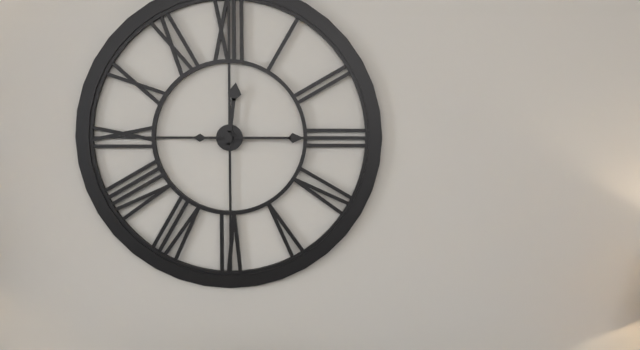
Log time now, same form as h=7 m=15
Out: h=12 m=15
